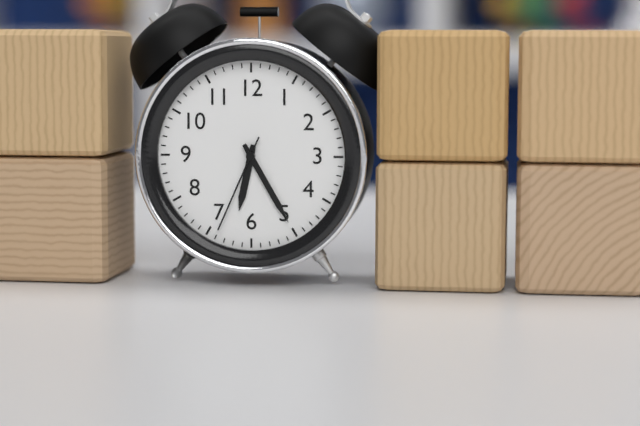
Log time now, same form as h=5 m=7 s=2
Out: h=6 m=25 s=34
